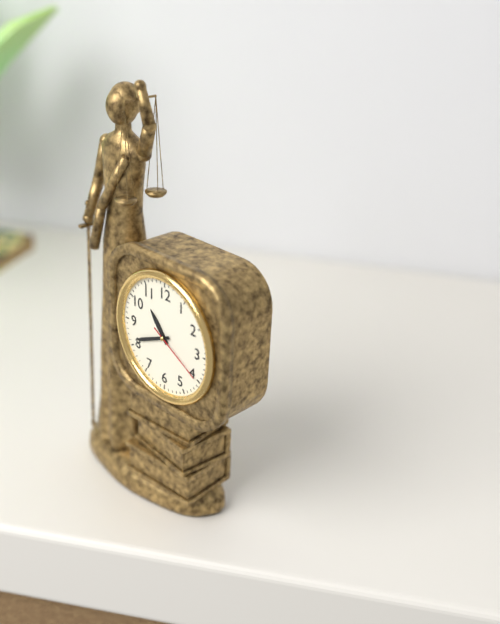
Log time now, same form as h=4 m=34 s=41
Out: h=10 m=41 s=20
